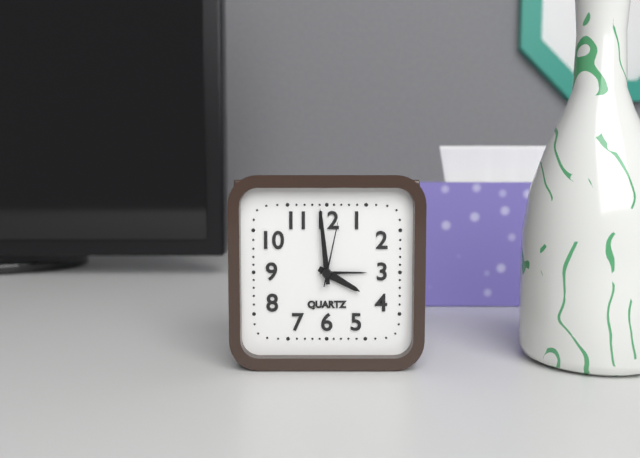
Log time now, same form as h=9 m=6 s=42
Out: h=3 m=59 s=2
